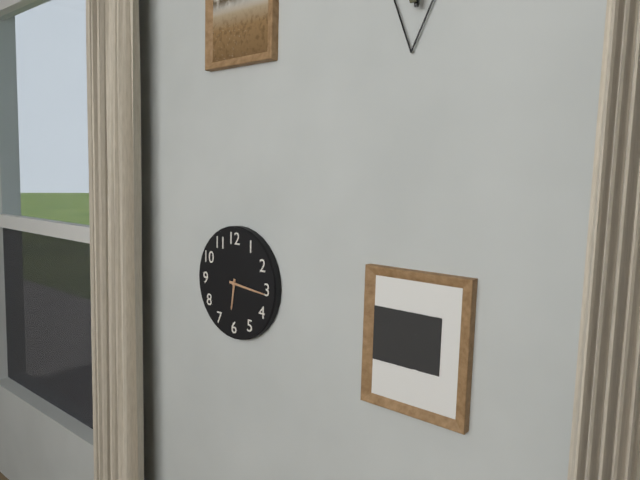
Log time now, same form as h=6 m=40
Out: h=6 m=16
